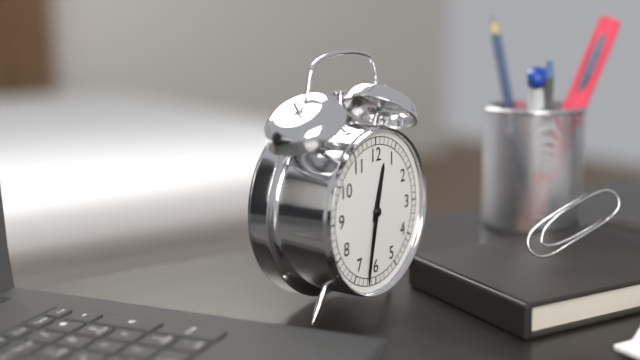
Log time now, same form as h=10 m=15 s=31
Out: h=12 m=32 s=32
